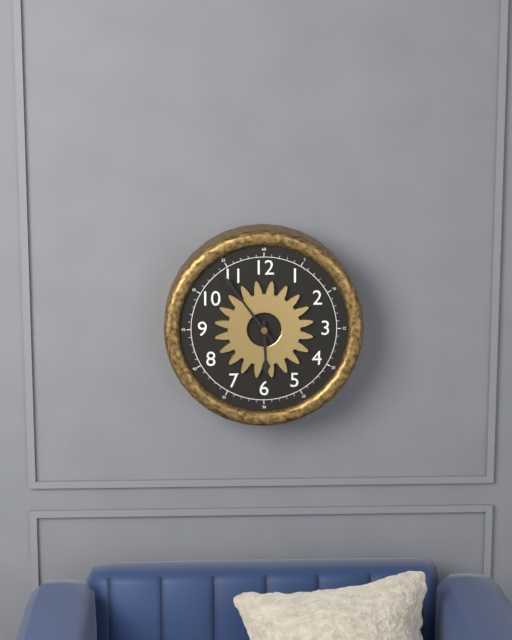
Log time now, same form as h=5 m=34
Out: h=5 m=54
